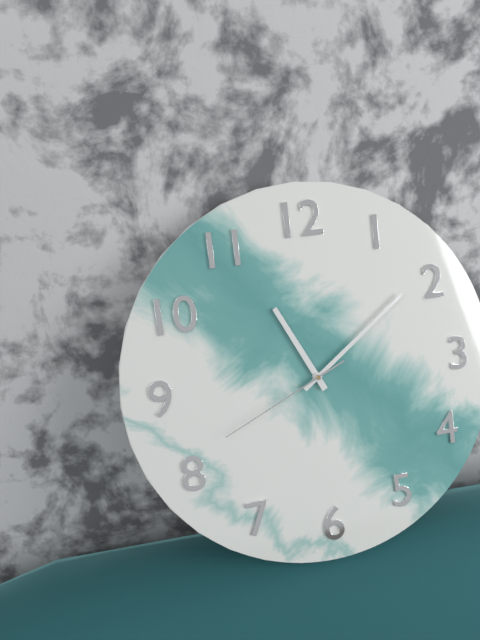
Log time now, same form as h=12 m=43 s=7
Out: h=11 m=9 s=41
